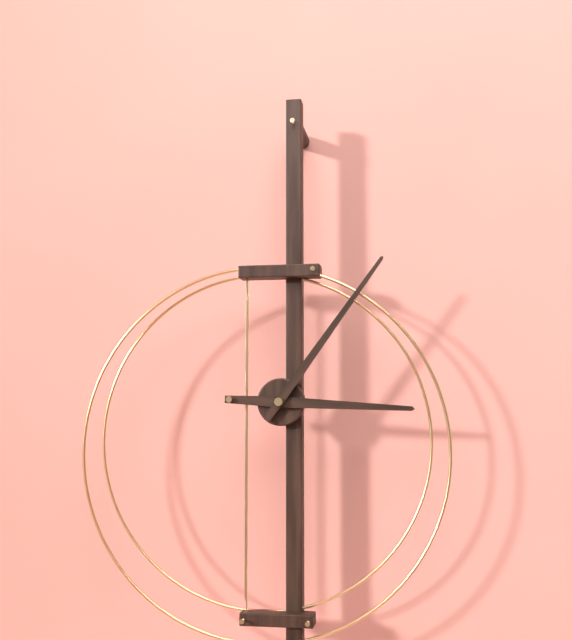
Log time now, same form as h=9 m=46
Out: h=3 m=6
